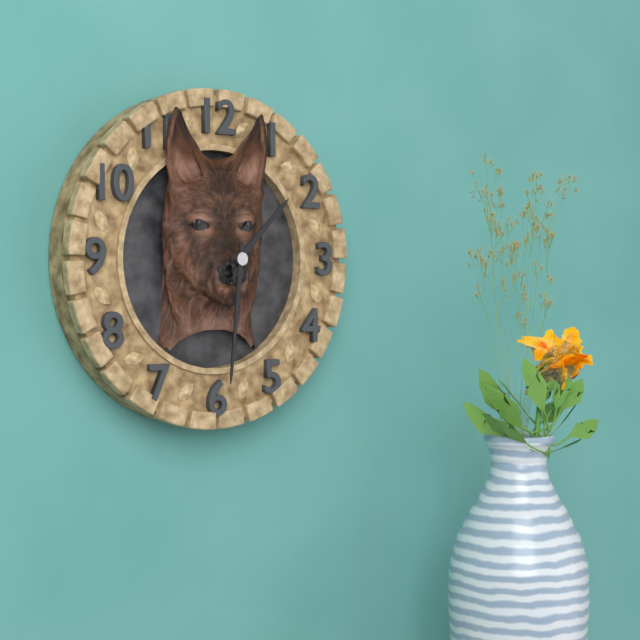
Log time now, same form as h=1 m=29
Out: h=1 m=31
